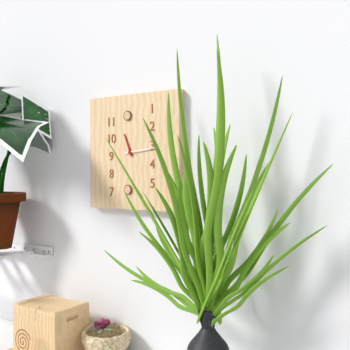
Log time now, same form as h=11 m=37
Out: h=11 m=14
